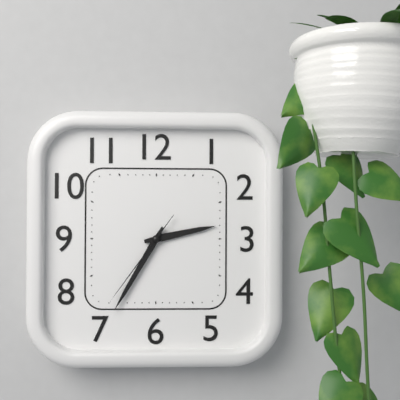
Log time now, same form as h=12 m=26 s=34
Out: h=2 m=35 s=36
